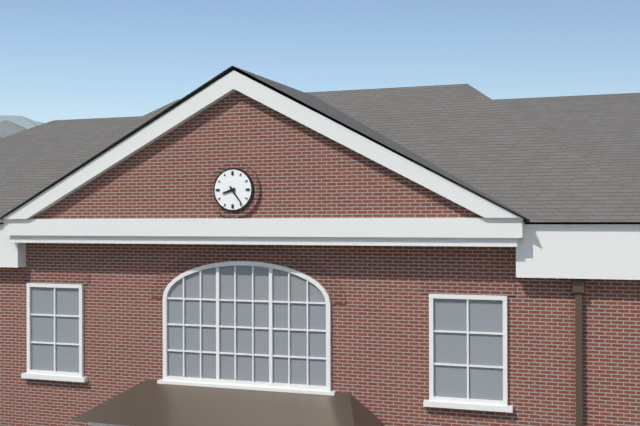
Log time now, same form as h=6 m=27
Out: h=8 m=24
